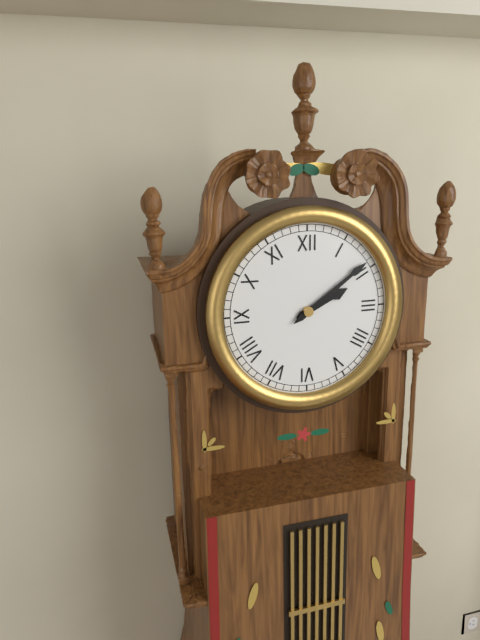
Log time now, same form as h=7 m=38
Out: h=2 m=9
